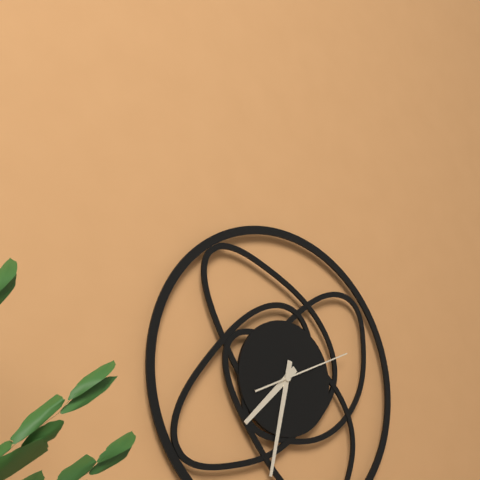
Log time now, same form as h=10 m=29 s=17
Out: h=7 m=32 s=11
